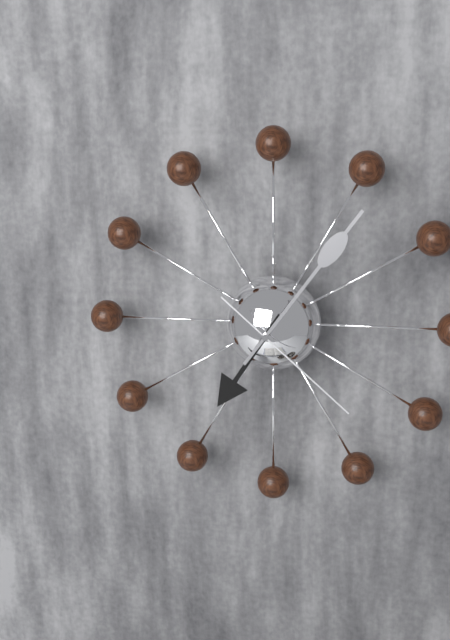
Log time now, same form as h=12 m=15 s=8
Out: h=7 m=6 s=22
